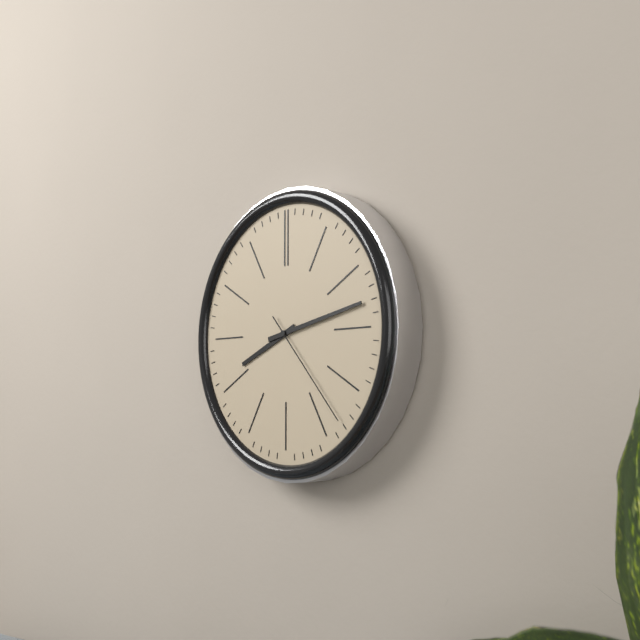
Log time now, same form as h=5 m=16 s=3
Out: h=8 m=13 s=23
